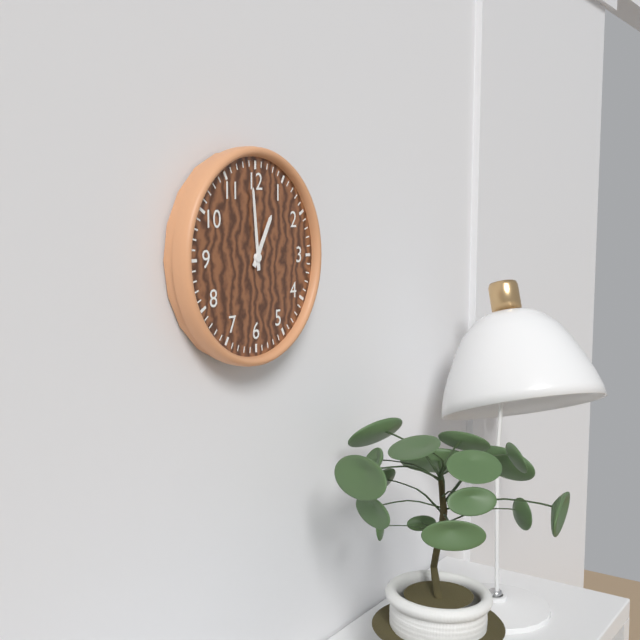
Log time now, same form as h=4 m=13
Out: h=12 m=59
